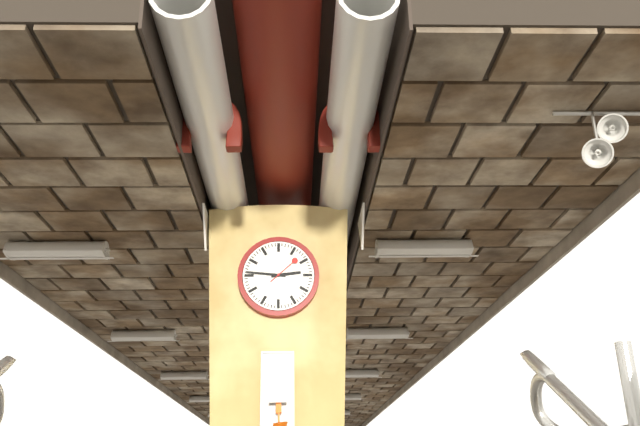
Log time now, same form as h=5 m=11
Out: h=2 m=46
